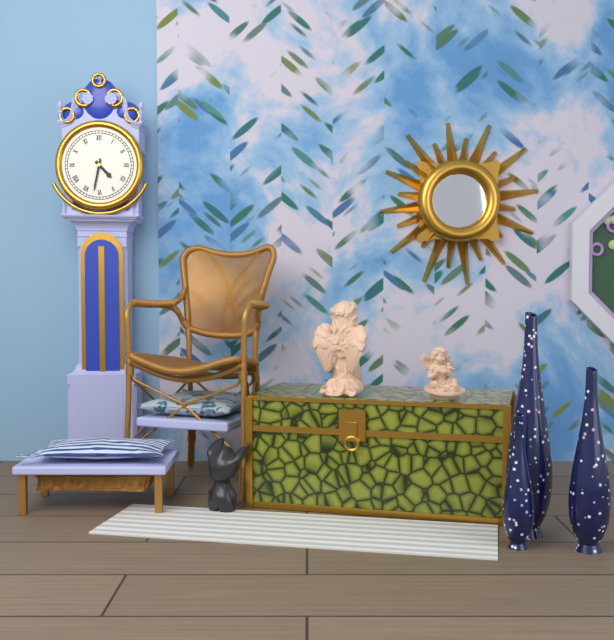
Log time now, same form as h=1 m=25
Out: h=4 m=32
